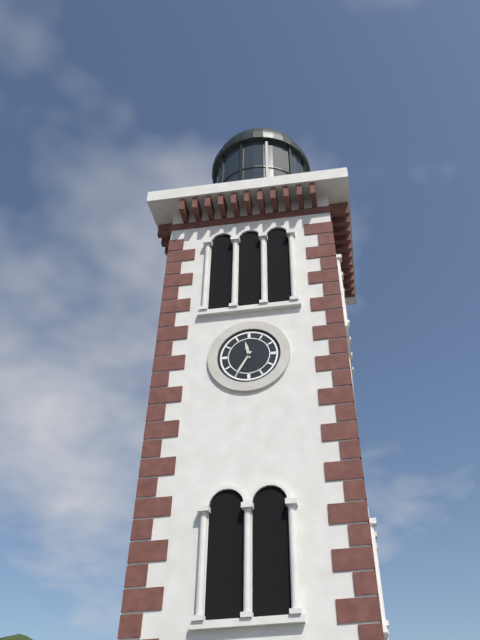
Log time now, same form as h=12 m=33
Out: h=11 m=35
